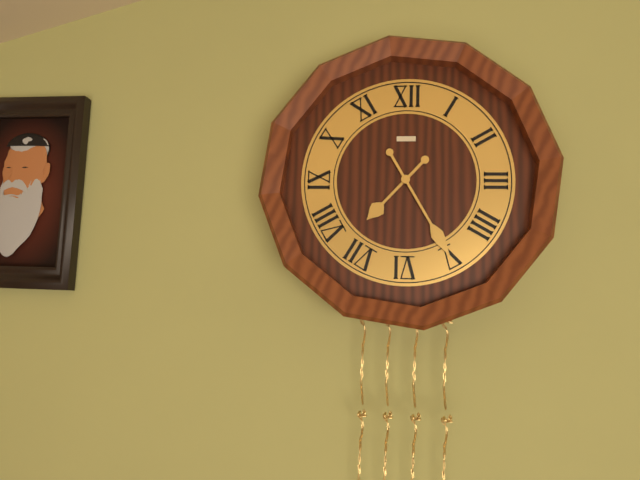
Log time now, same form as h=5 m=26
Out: h=7 m=25
